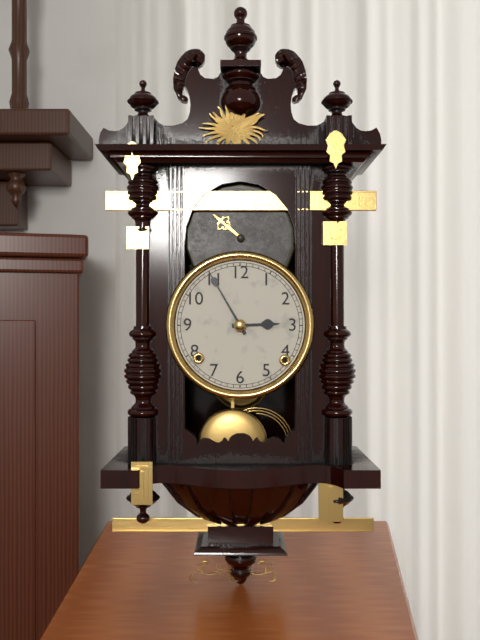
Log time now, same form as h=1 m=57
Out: h=2 m=55
